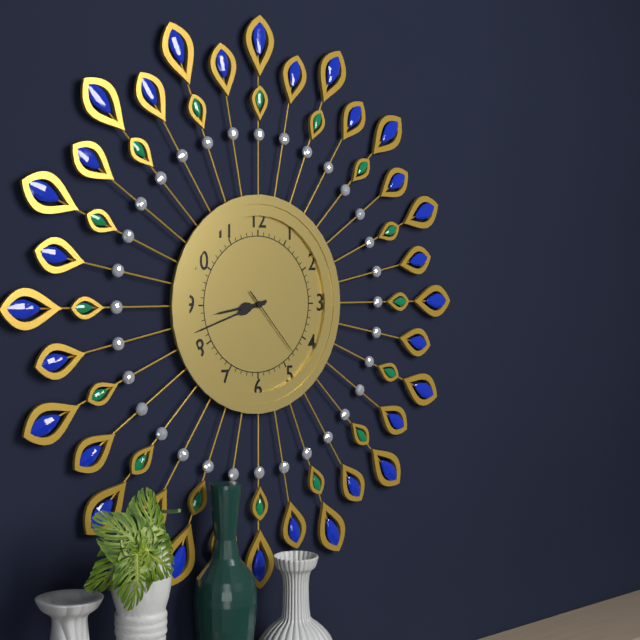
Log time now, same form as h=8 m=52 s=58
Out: h=8 m=42 s=23
